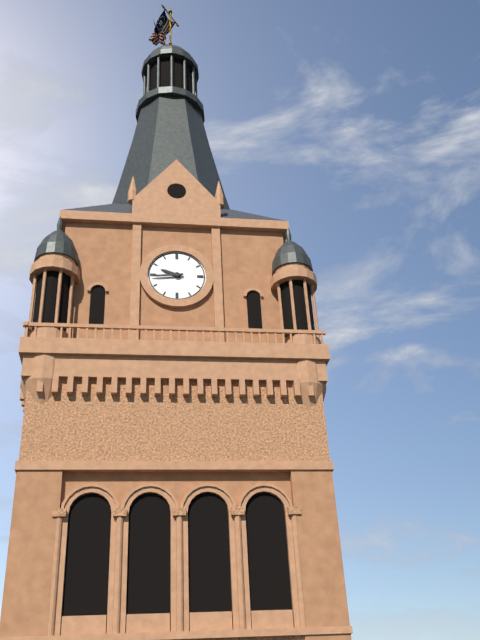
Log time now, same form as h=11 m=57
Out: h=9 m=44
